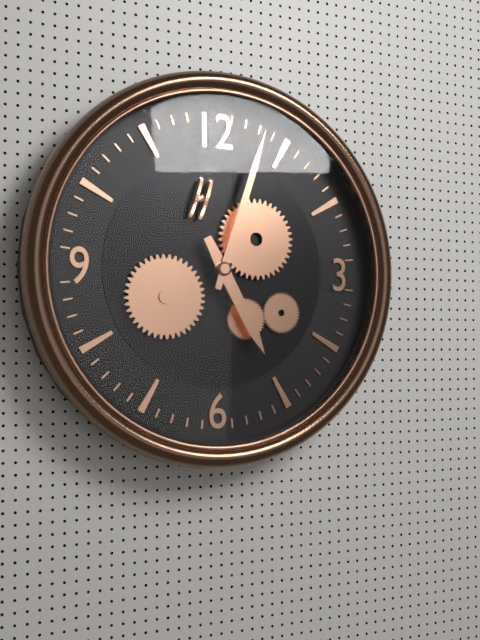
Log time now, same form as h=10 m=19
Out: h=5 m=3
